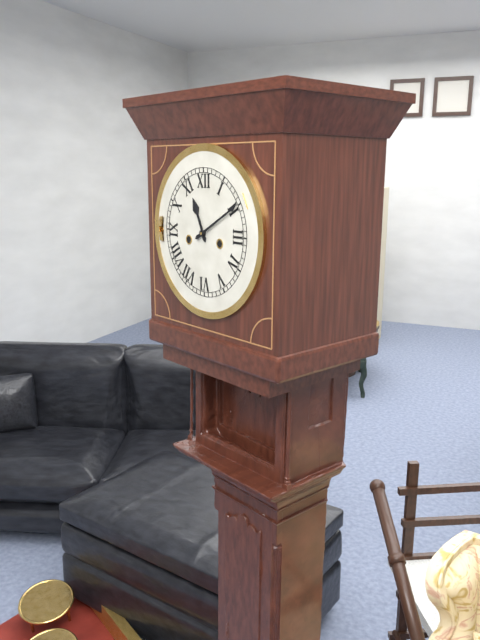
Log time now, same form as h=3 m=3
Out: h=11 m=10
